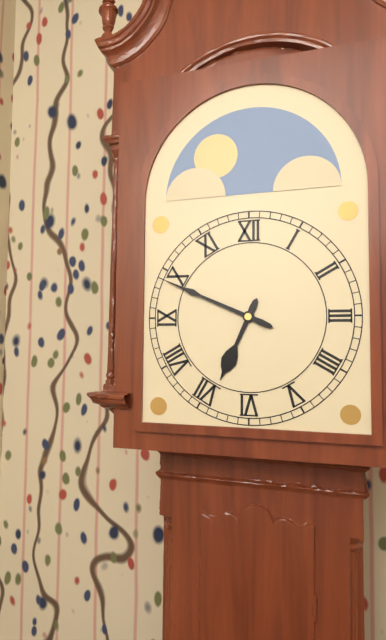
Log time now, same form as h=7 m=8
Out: h=6 m=49
